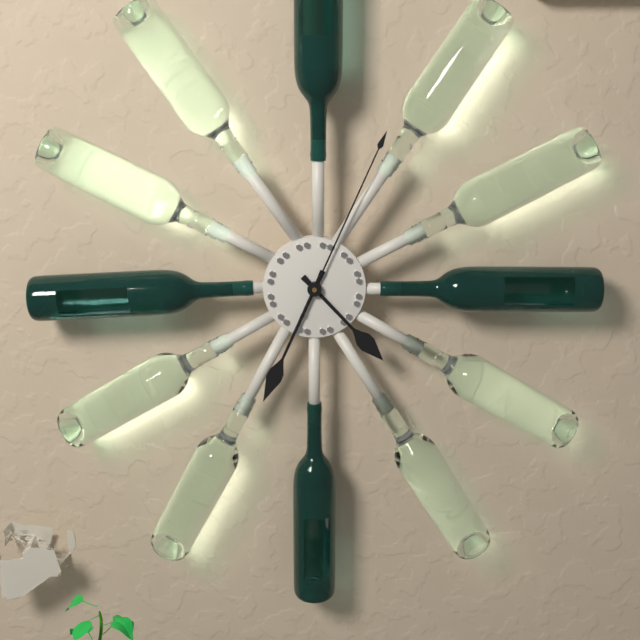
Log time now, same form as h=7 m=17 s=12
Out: h=4 m=34 s=4
